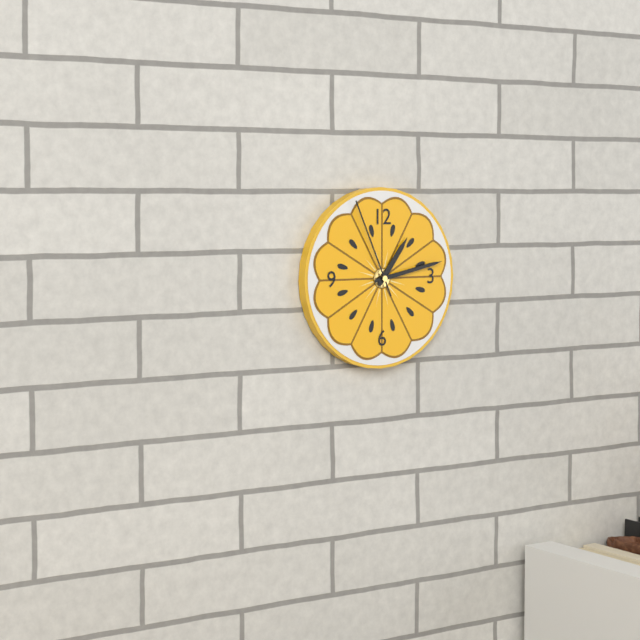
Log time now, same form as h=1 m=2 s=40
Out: h=1 m=13 s=56
